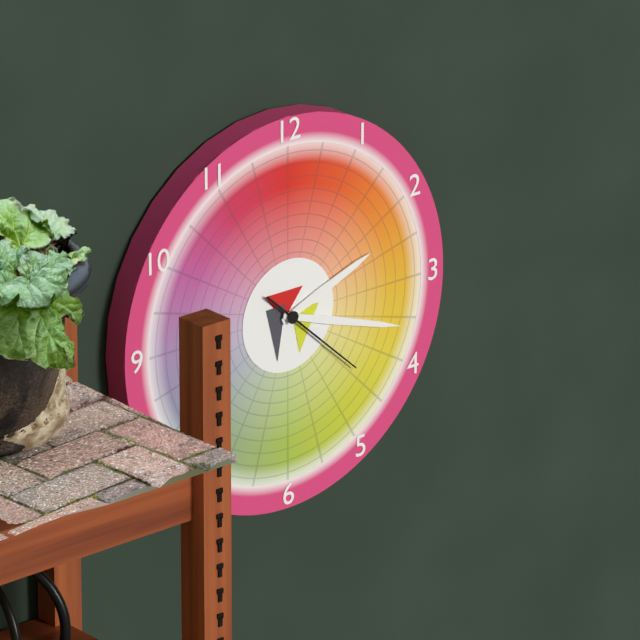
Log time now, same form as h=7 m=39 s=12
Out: h=2 m=18 s=22
